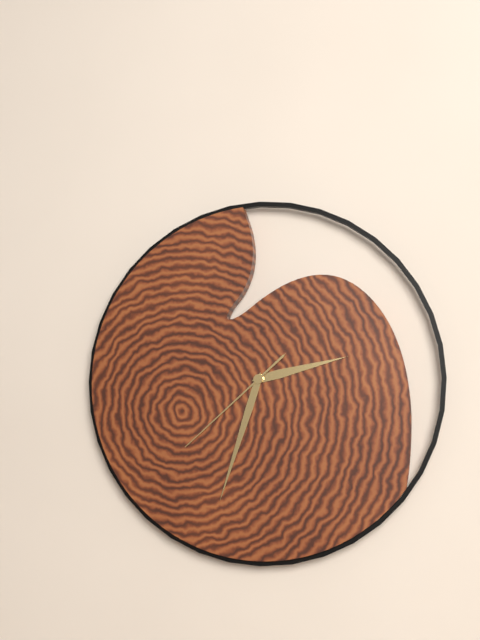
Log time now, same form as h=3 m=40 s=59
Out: h=2 m=33 s=38
